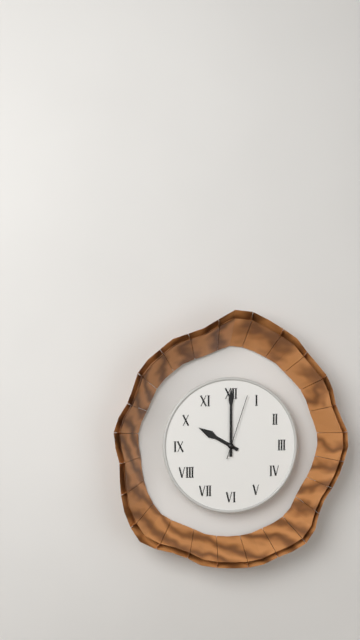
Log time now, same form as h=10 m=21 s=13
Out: h=10 m=0 s=3
